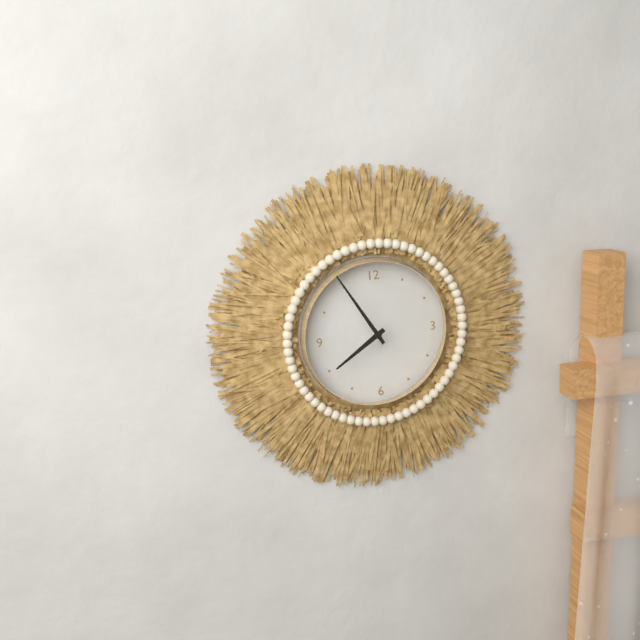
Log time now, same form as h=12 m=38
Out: h=7 m=55
